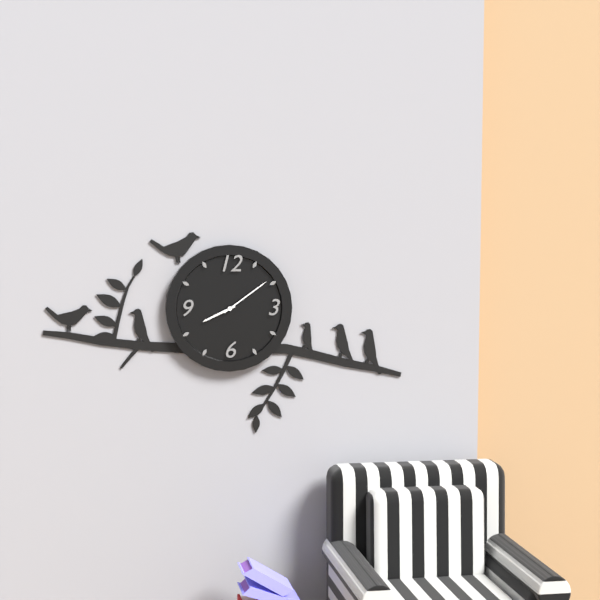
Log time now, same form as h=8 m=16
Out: h=8 m=9
